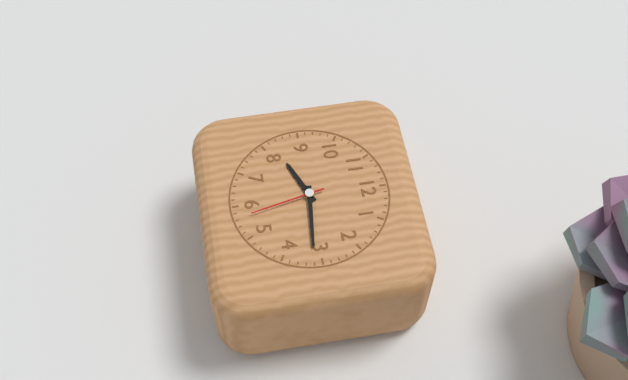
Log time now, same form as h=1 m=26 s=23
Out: h=8 m=16 s=28
